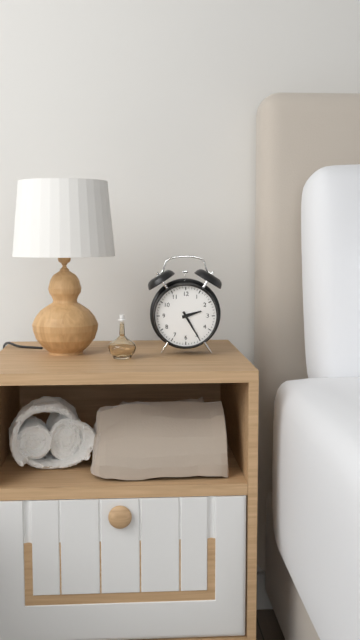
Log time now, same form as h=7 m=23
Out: h=2 m=25
